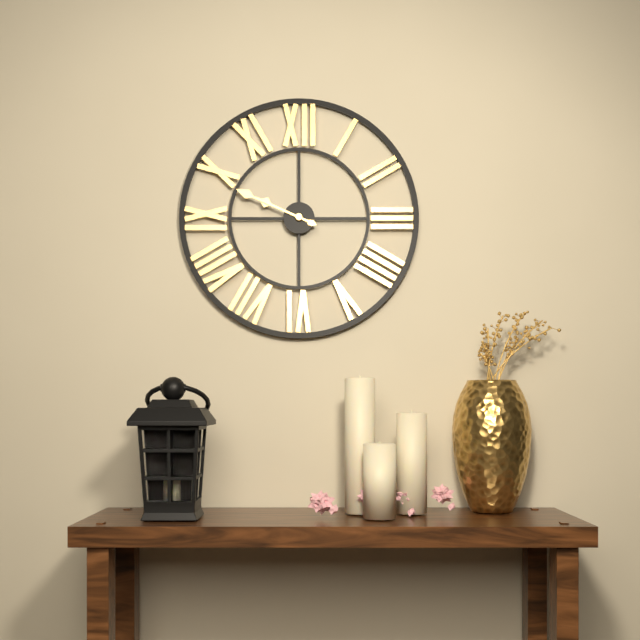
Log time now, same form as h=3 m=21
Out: h=9 m=49
